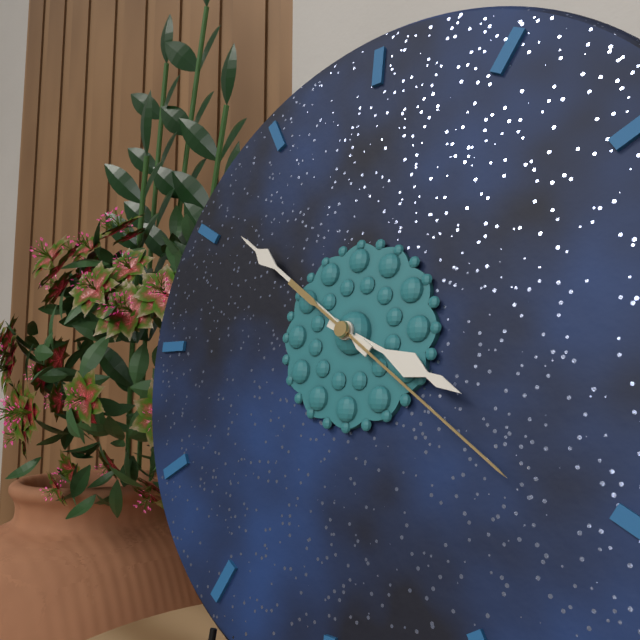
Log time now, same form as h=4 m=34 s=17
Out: h=3 m=51 s=21
